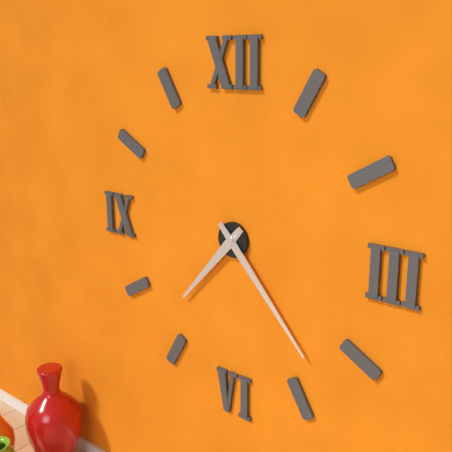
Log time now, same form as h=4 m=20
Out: h=7 m=23
